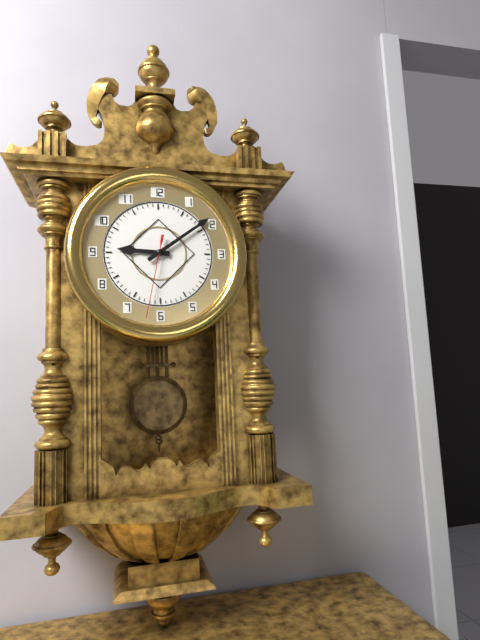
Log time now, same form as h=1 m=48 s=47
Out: h=9 m=9 s=32
